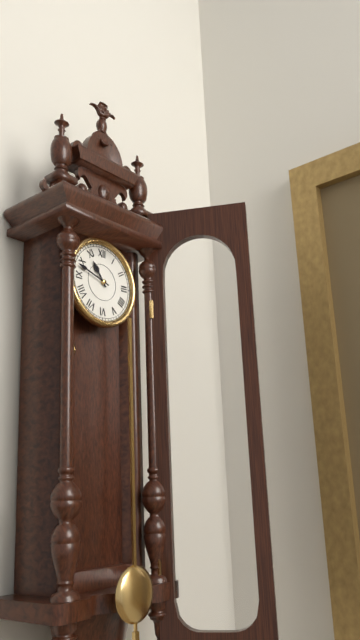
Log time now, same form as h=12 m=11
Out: h=10 m=48
